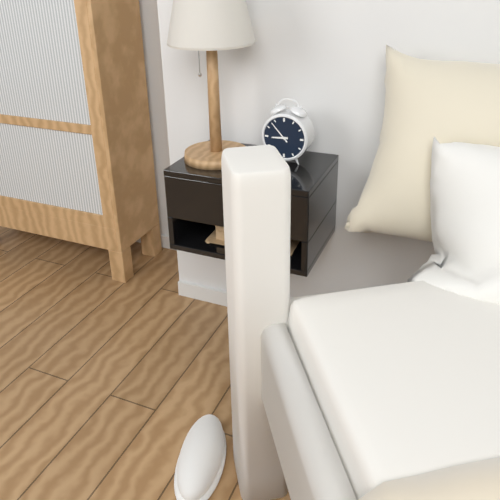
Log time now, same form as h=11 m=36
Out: h=8 m=53
